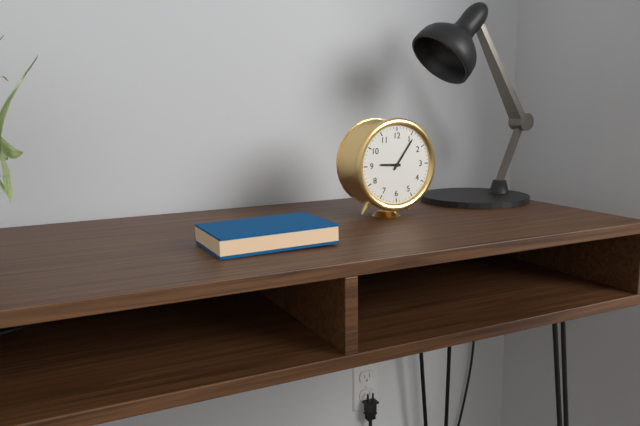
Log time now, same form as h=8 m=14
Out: h=9 m=6
